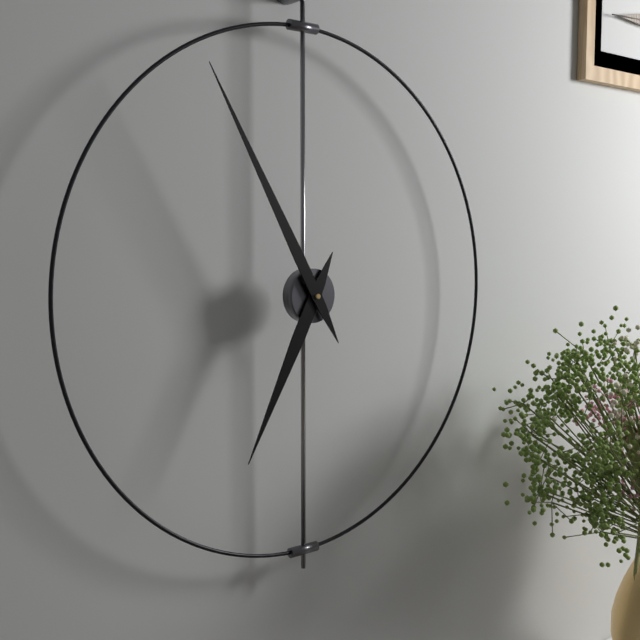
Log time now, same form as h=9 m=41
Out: h=6 m=55
